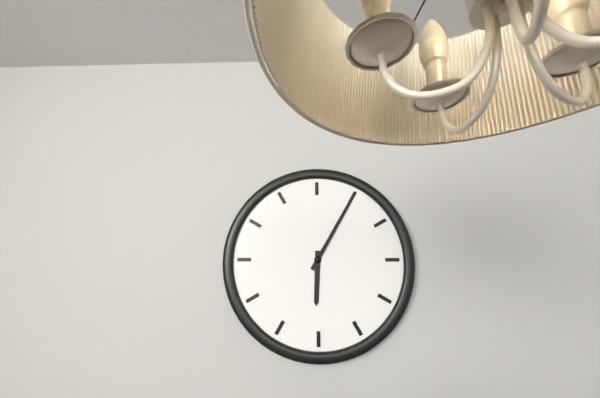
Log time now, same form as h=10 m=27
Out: h=6 m=5
